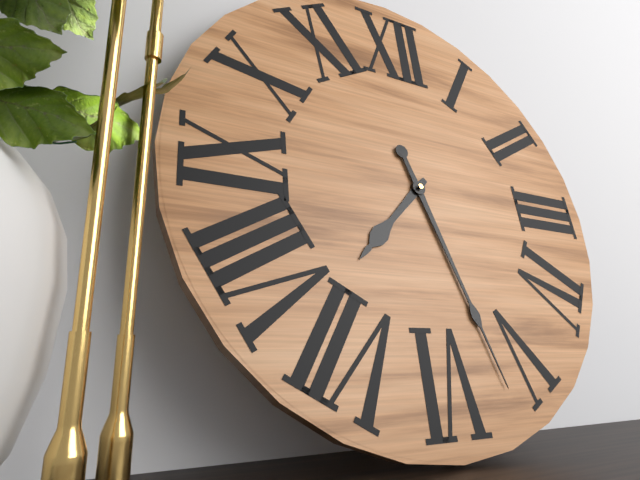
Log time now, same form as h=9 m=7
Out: h=7 m=27
